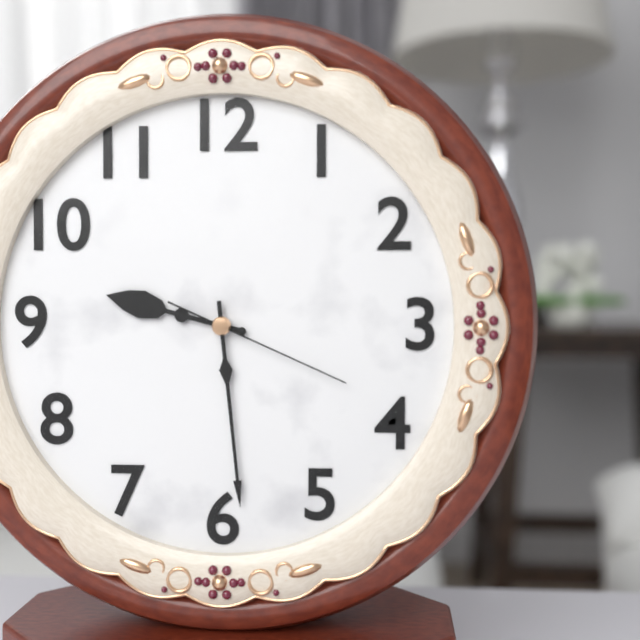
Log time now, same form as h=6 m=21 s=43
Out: h=9 m=29 s=19
